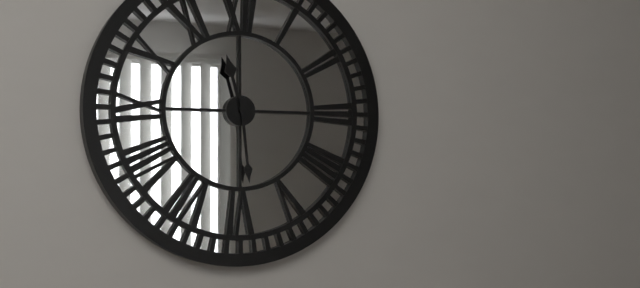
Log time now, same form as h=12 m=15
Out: h=11 m=29
